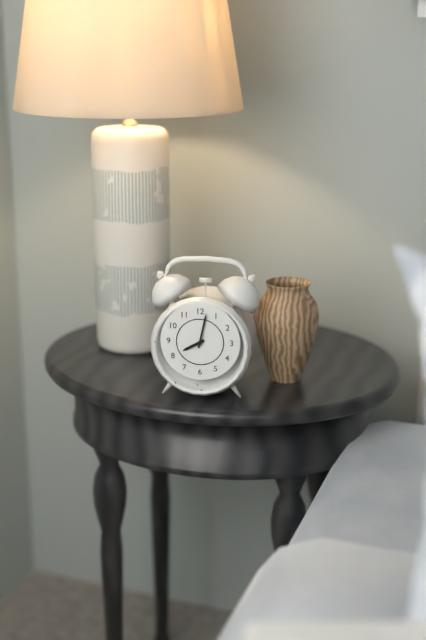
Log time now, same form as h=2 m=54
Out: h=8 m=2
